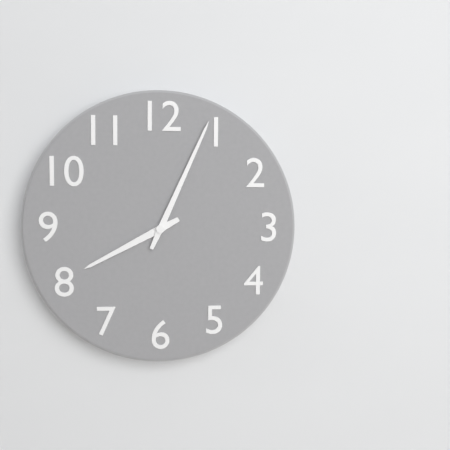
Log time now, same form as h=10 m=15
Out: h=8 m=4
